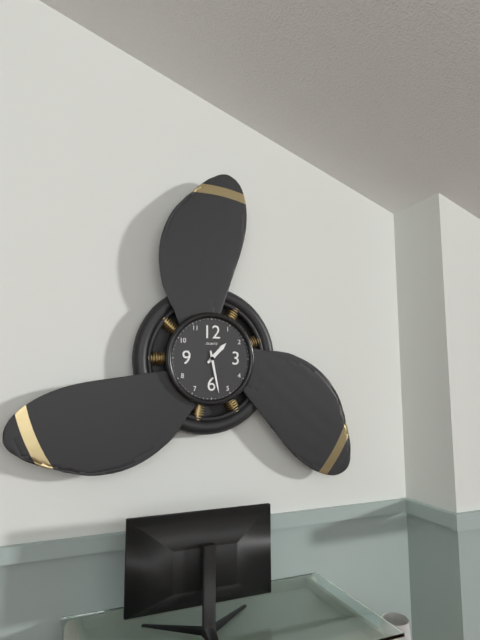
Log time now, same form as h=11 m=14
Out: h=1 m=28
